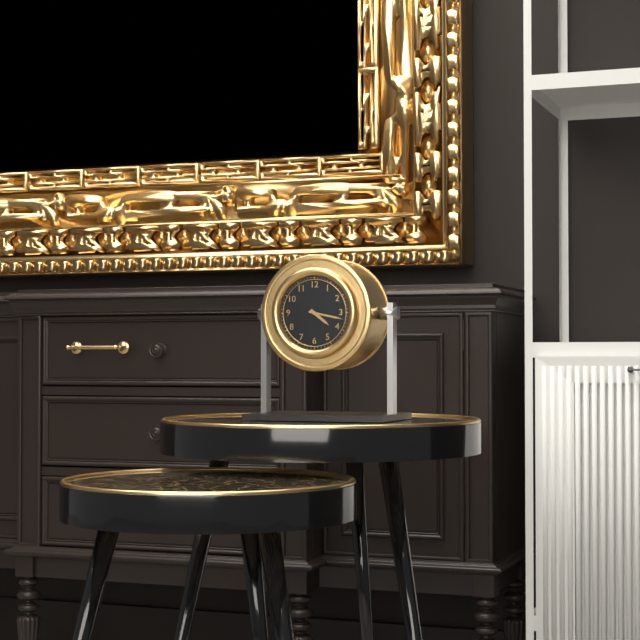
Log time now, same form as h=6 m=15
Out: h=4 m=17
